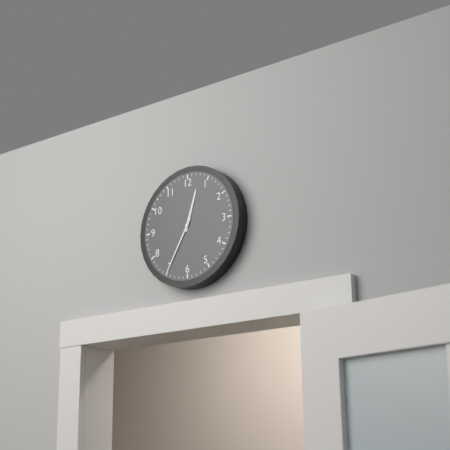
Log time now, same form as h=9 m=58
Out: h=12 m=35
